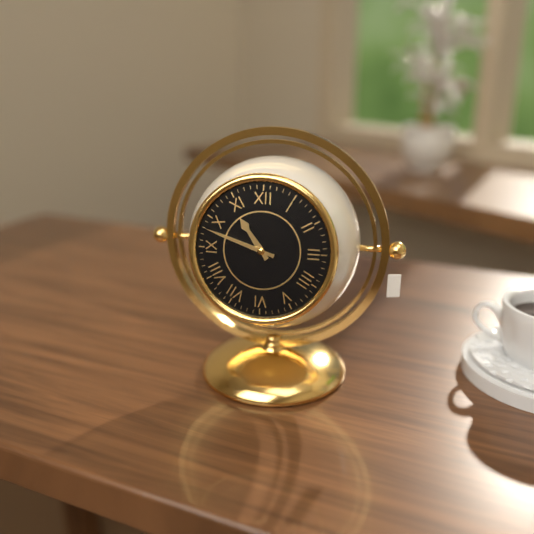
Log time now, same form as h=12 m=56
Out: h=10 m=48
